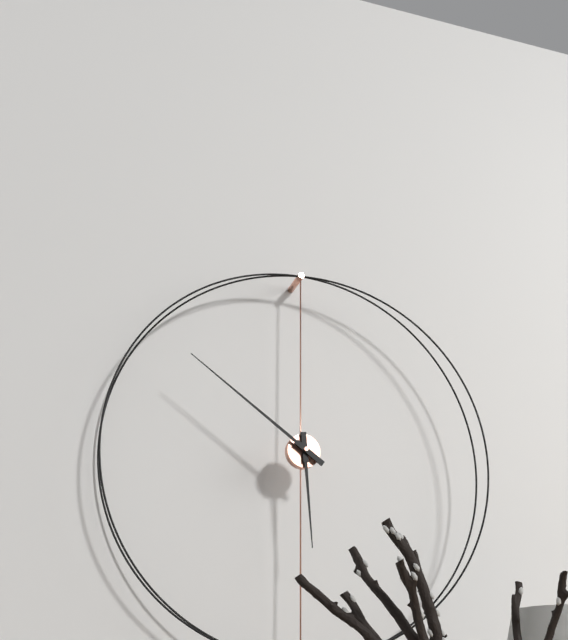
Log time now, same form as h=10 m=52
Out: h=5 m=51
